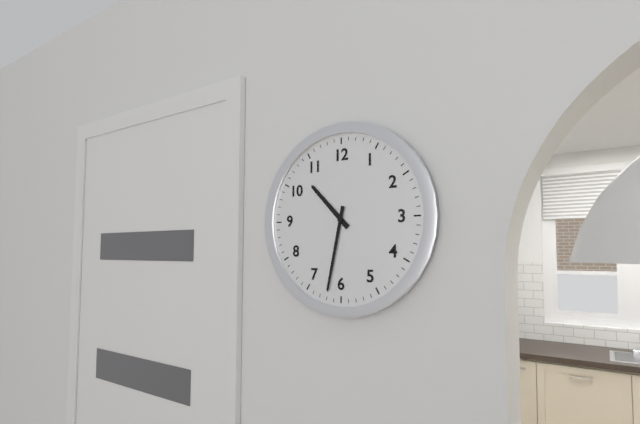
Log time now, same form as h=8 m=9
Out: h=10 m=32
